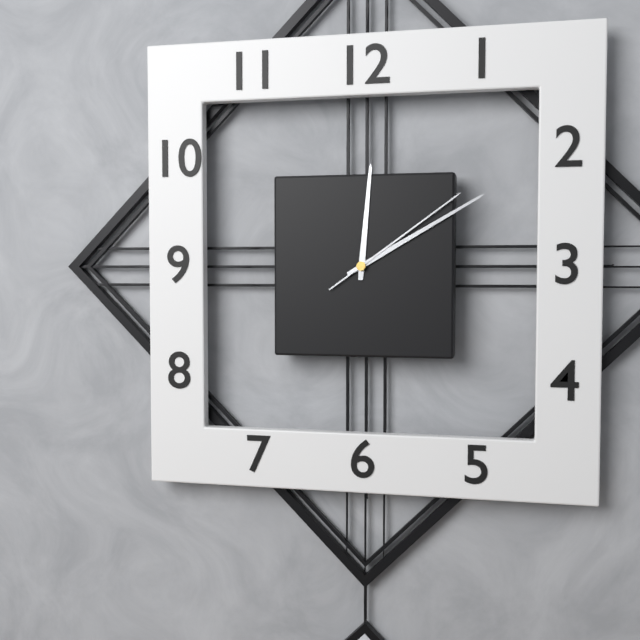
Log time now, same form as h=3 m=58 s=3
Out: h=12 m=10 s=9
